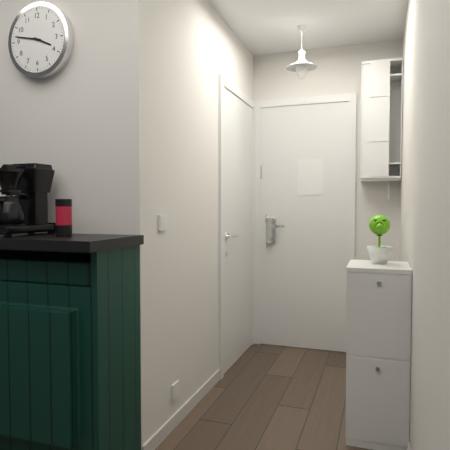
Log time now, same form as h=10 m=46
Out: h=3 m=47
